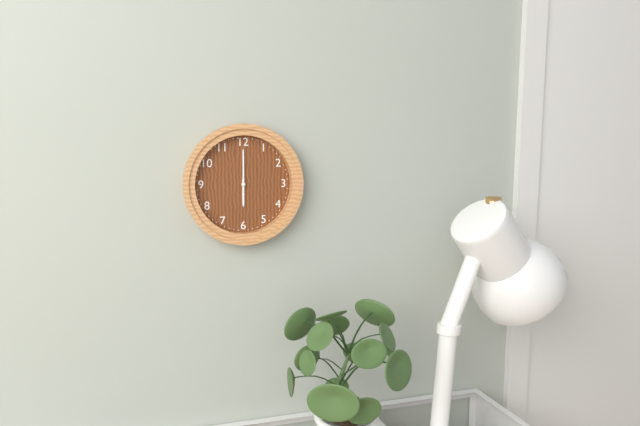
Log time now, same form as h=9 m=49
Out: h=6 m=0
